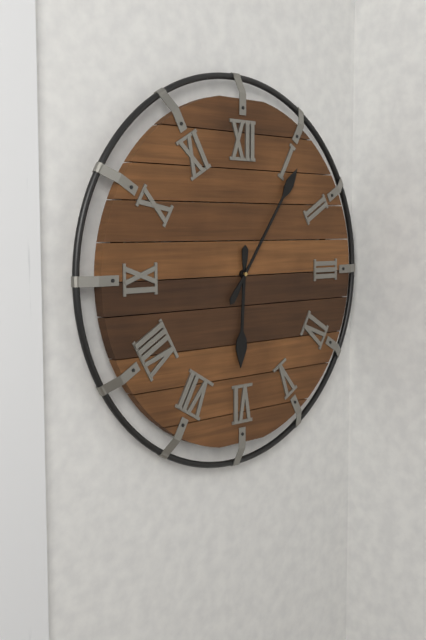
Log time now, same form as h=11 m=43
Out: h=6 m=6
